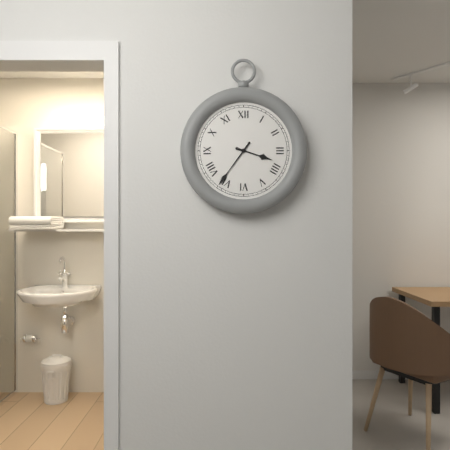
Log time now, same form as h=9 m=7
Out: h=3 m=36
